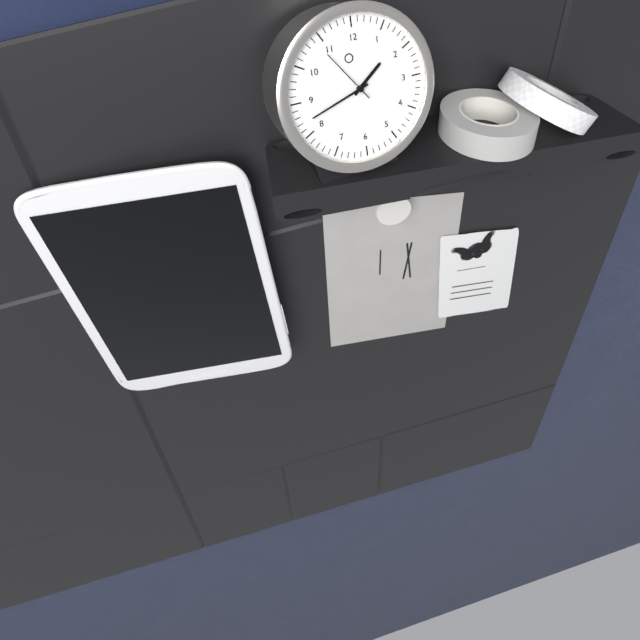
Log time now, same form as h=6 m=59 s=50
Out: h=1 m=42 s=54
